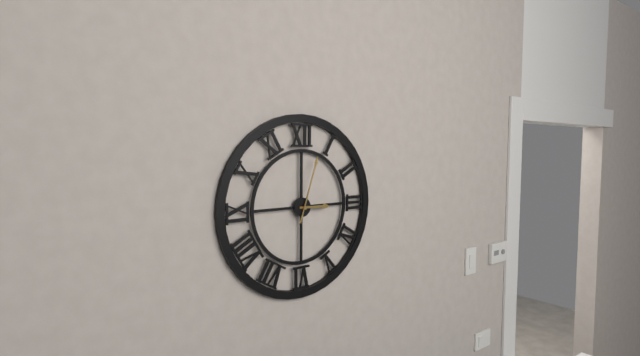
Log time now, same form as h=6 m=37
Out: h=3 m=3
